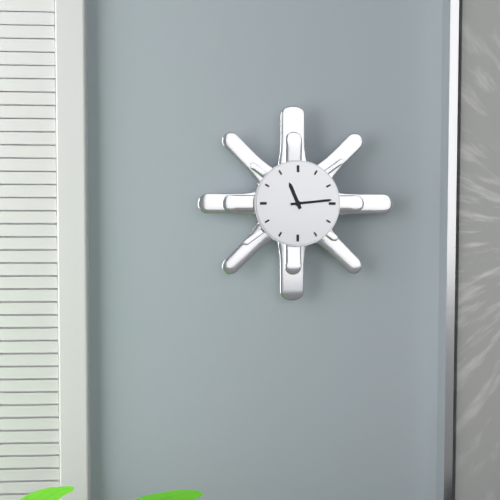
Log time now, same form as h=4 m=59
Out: h=11 m=14
